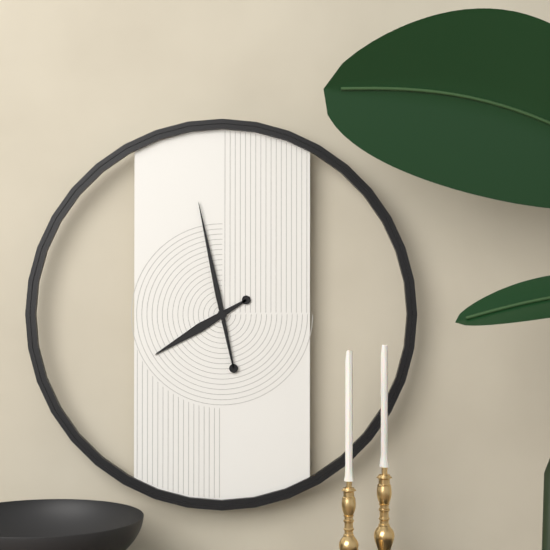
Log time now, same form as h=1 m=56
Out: h=7 m=58
